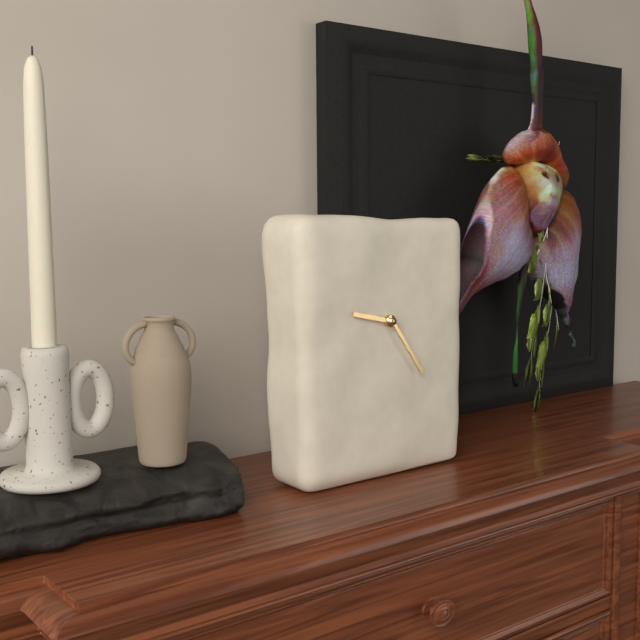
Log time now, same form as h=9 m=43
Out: h=9 m=24
